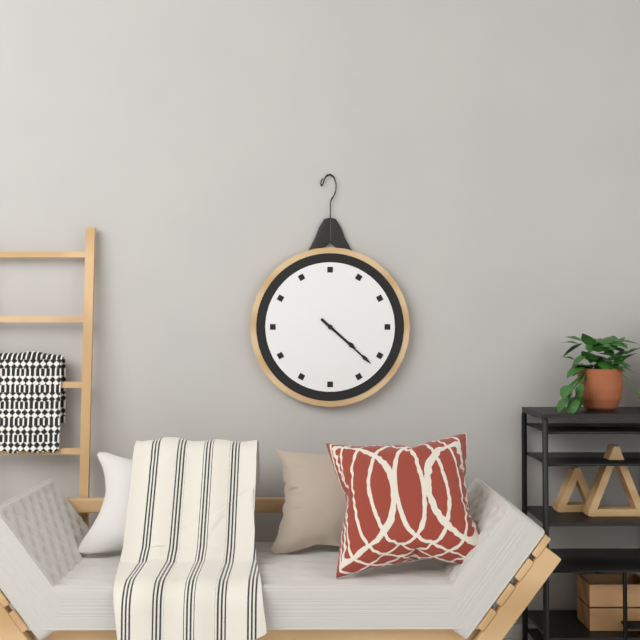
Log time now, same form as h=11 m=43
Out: h=4 m=22
